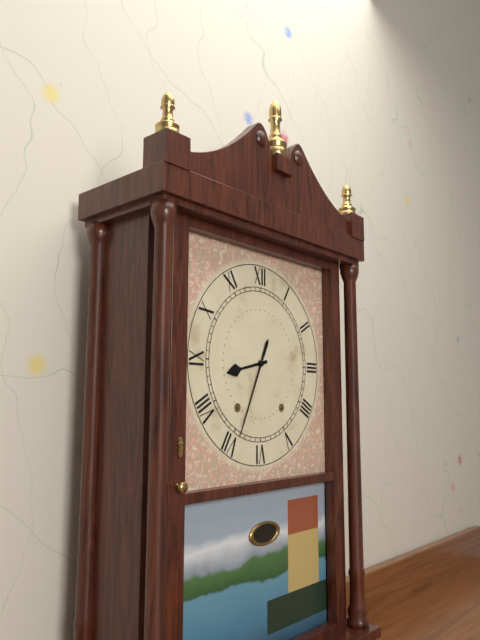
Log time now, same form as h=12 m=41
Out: h=8 m=34
